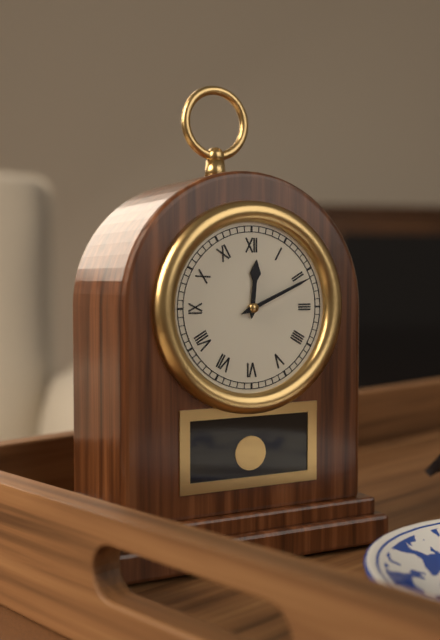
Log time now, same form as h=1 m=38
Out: h=12 m=11
